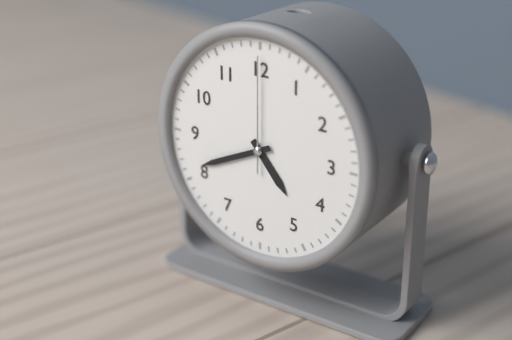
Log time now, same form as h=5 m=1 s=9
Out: h=4 m=41 s=0
